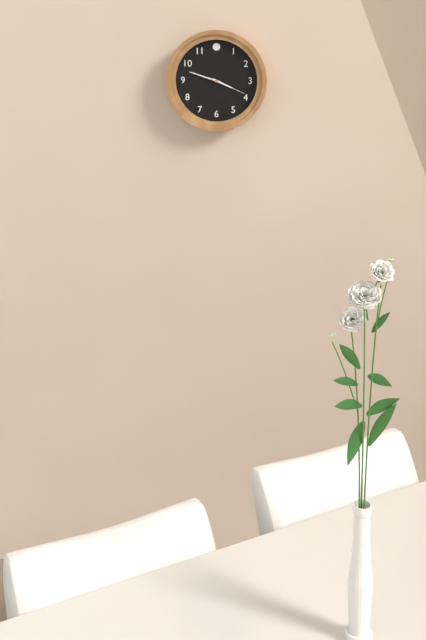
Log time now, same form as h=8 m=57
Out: h=3 m=48
